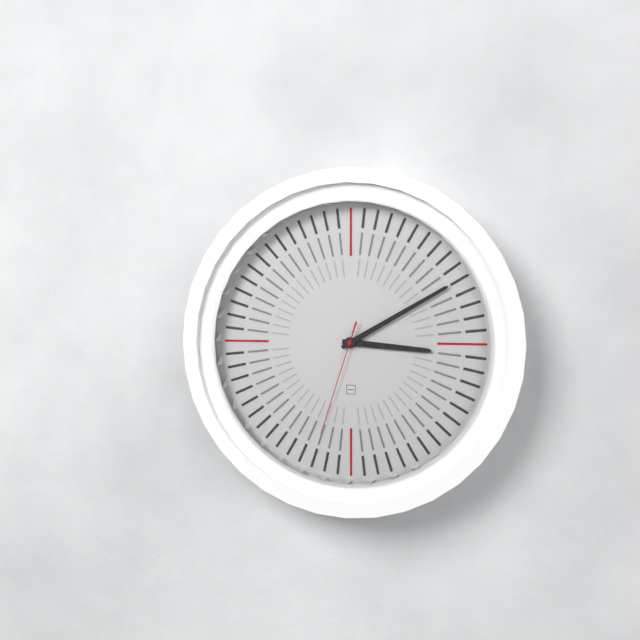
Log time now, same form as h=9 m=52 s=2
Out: h=3 m=10 s=33
